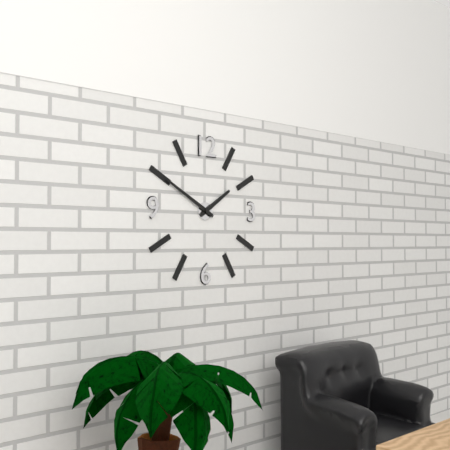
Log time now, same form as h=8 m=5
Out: h=1 m=50
